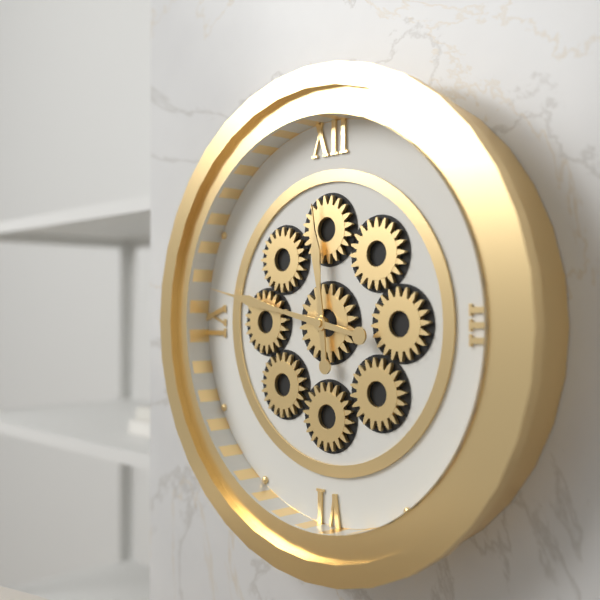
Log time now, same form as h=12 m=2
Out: h=11 m=47
